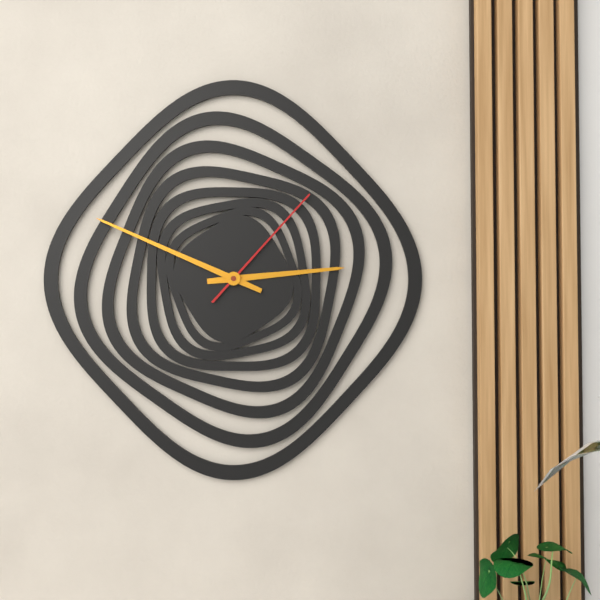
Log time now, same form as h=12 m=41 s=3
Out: h=2 m=49 s=7
